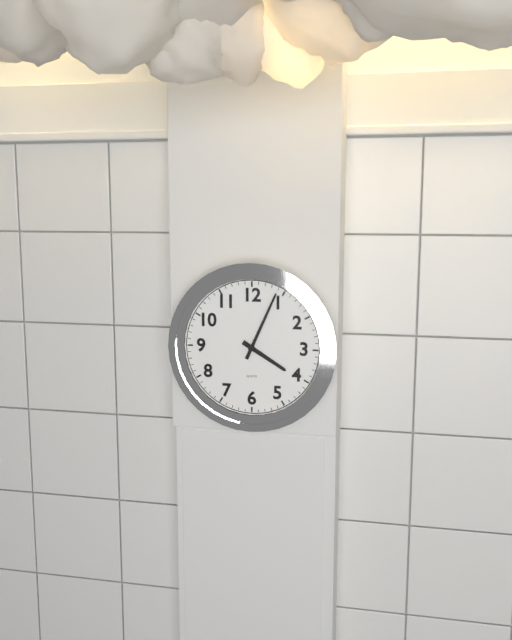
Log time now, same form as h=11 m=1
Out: h=4 m=4
